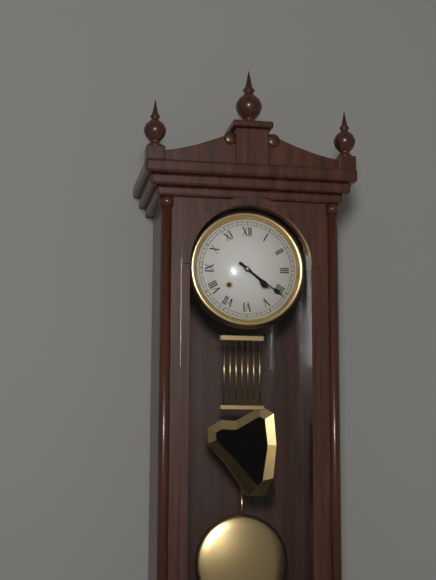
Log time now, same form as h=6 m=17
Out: h=4 m=21
